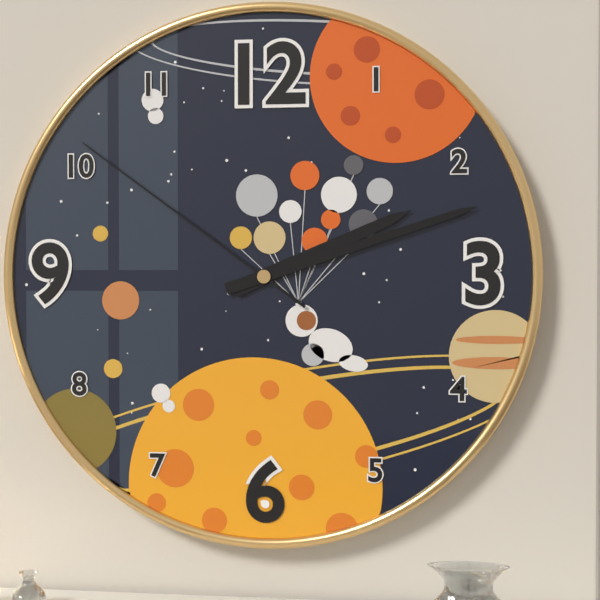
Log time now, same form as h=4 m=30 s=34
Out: h=2 m=12 s=51
